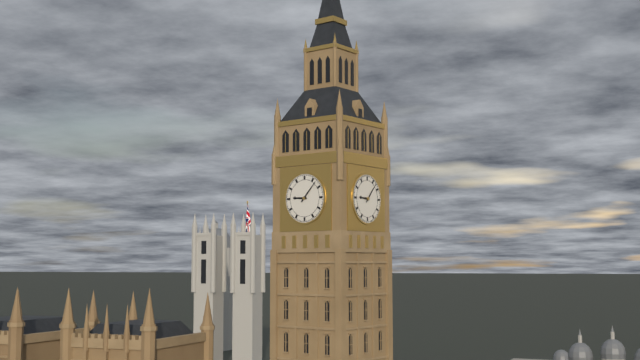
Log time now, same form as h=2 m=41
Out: h=9 m=7
